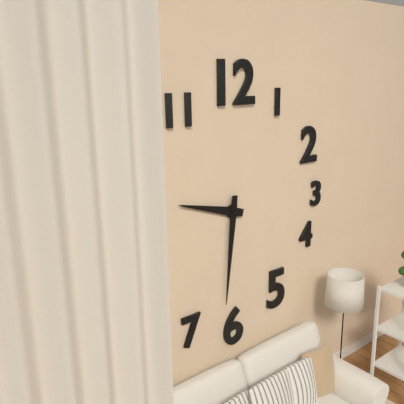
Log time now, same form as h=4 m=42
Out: h=9 m=31
